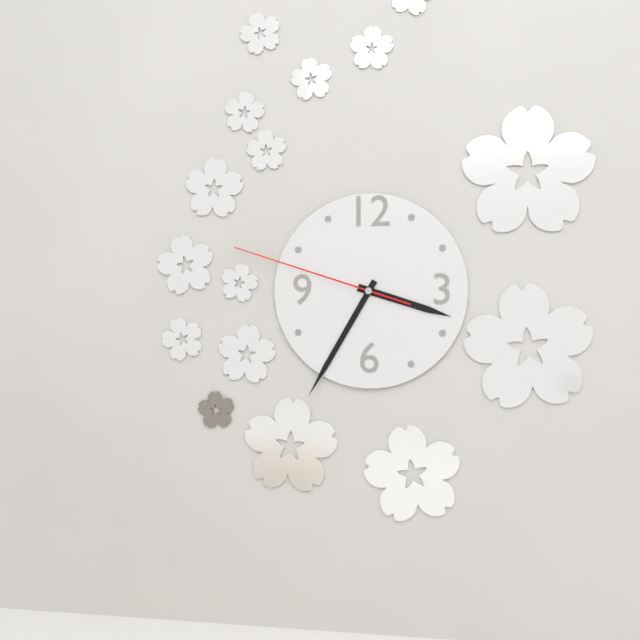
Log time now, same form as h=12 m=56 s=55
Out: h=3 m=35 s=48
